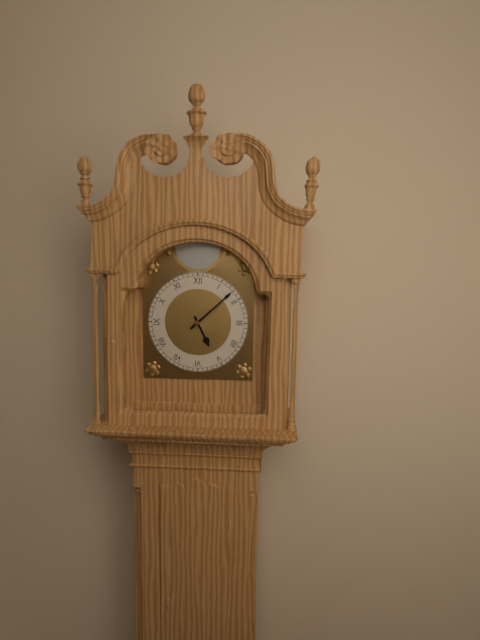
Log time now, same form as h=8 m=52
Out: h=5 m=8
